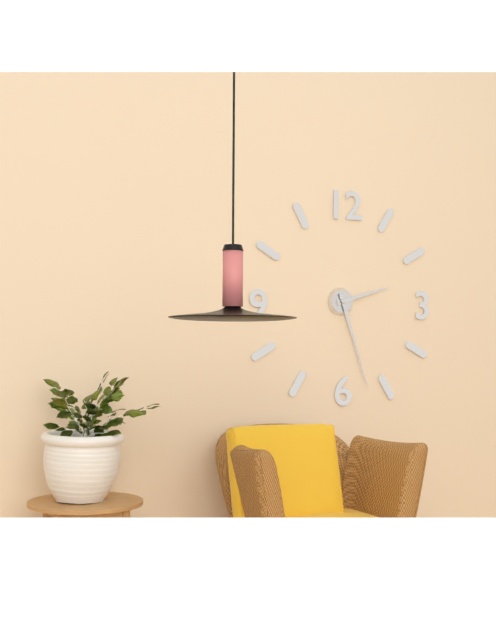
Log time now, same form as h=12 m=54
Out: h=2 m=27
